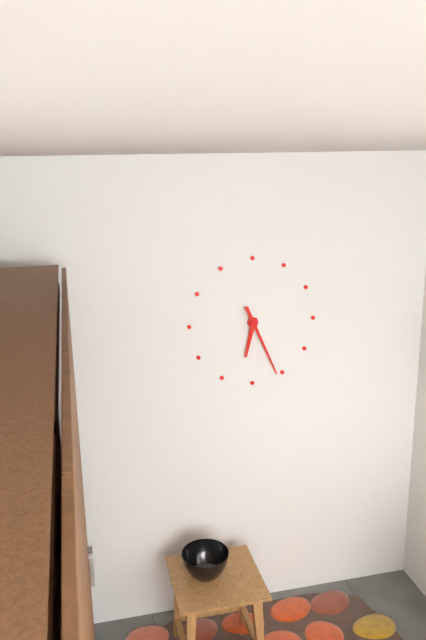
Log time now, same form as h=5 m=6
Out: h=6 m=26
